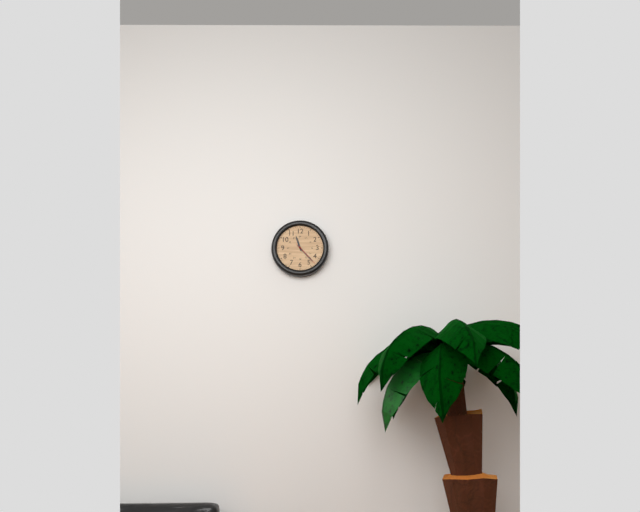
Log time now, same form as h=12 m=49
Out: h=11 m=23
